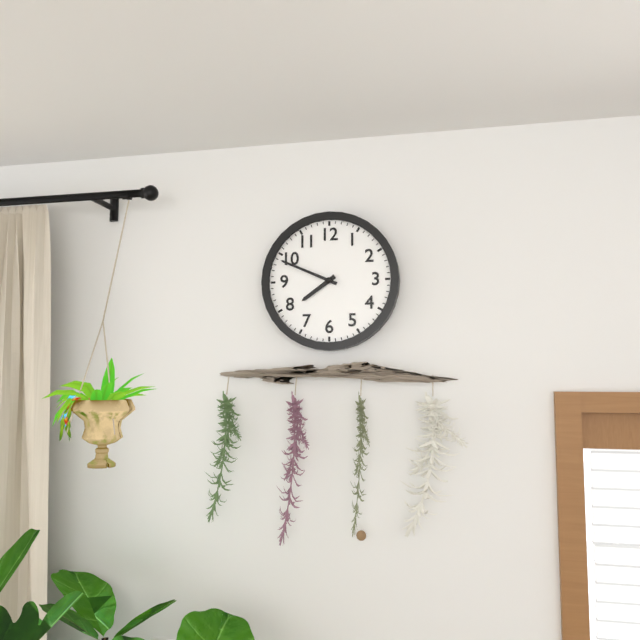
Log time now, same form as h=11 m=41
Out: h=7 m=49
